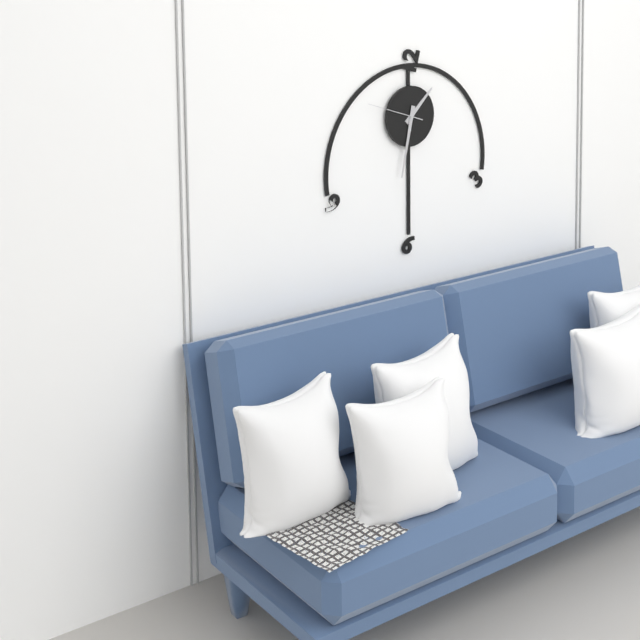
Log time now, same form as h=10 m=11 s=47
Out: h=1 m=32 s=48
